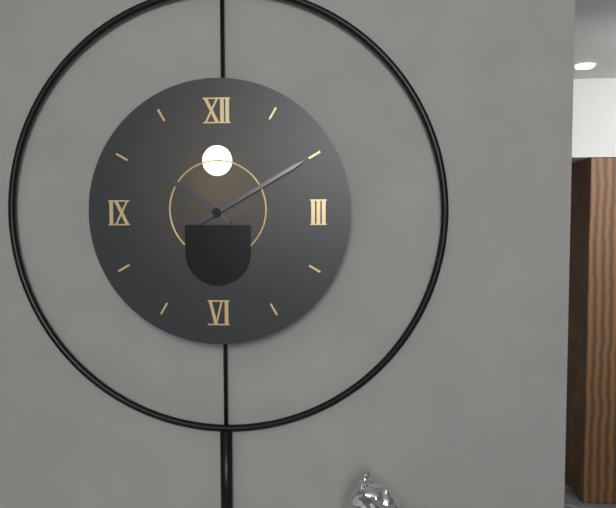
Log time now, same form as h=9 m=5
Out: h=10 m=10
